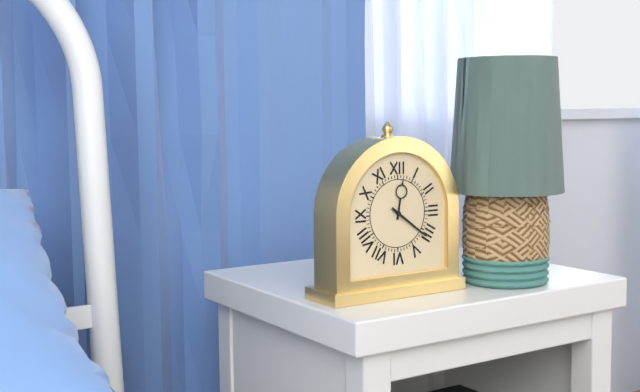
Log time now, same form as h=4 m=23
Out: h=12 m=21
